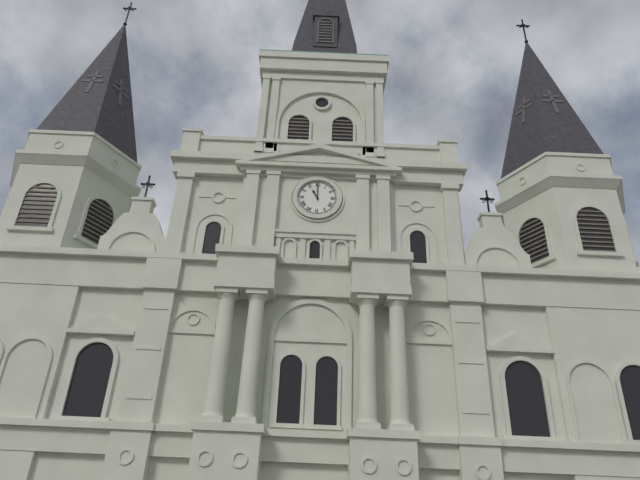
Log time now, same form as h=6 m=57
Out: h=11 m=0
